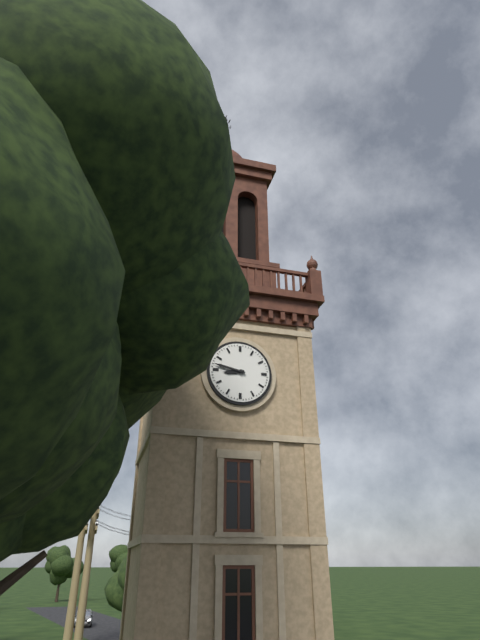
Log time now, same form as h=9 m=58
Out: h=8 m=47
